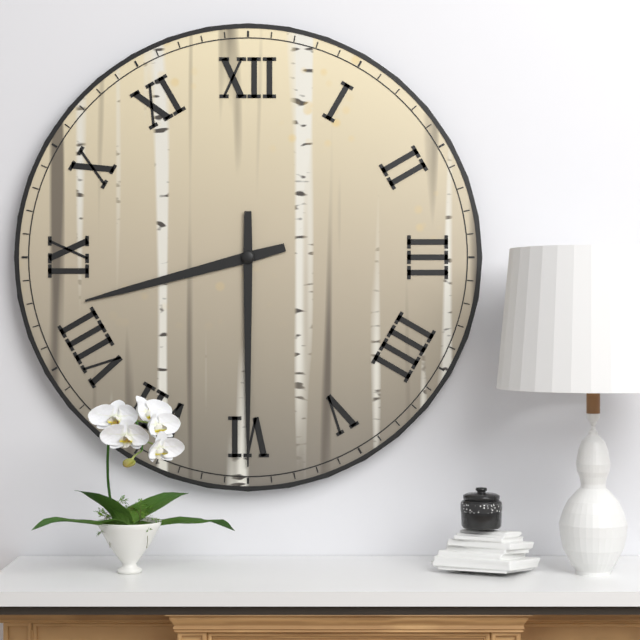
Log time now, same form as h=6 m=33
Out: h=8 m=30
